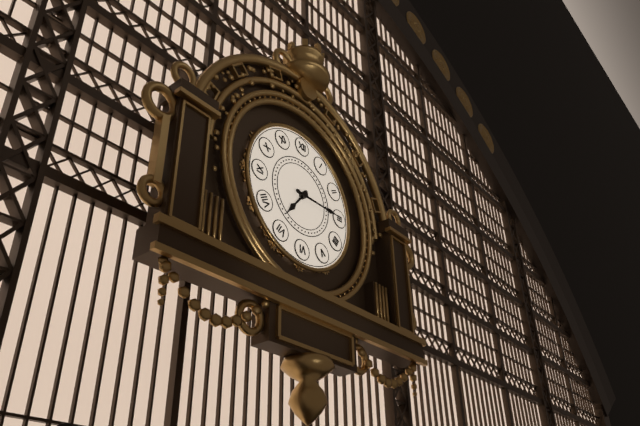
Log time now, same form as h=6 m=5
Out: h=7 m=15
